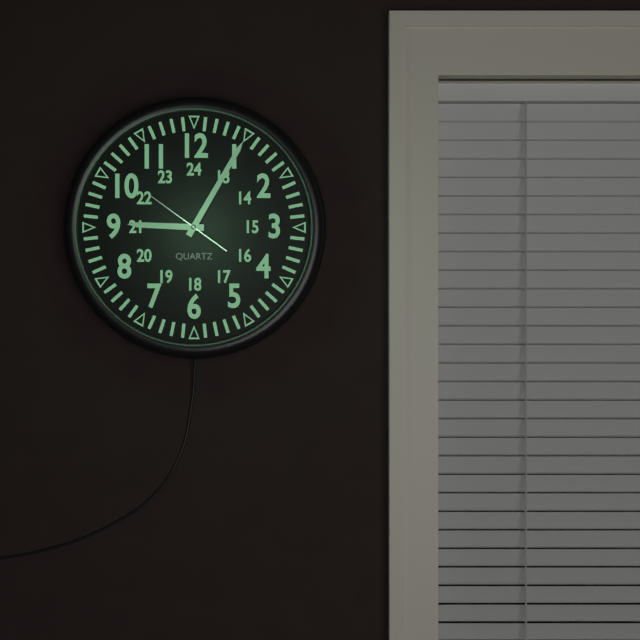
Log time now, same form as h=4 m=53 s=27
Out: h=9 m=5 s=51
